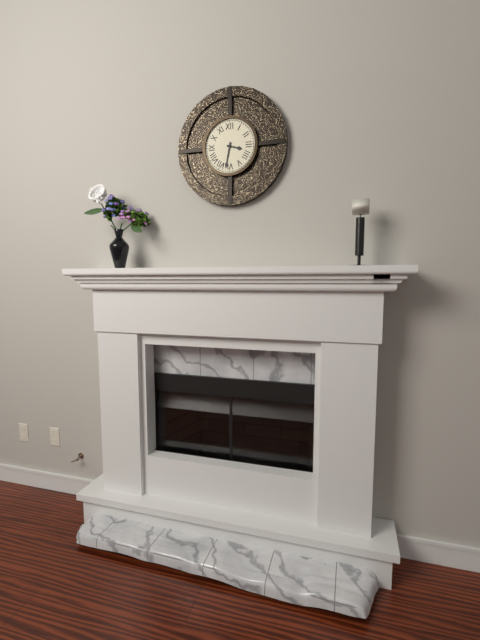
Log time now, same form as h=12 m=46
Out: h=3 m=32
